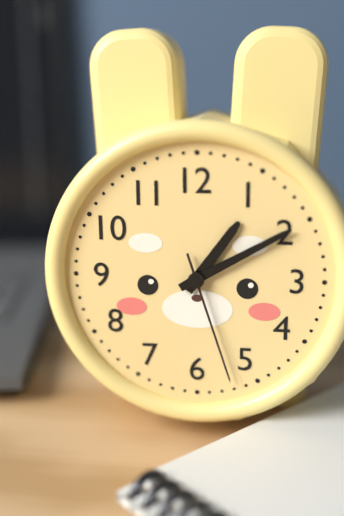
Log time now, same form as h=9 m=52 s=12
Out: h=1 m=10 s=27
